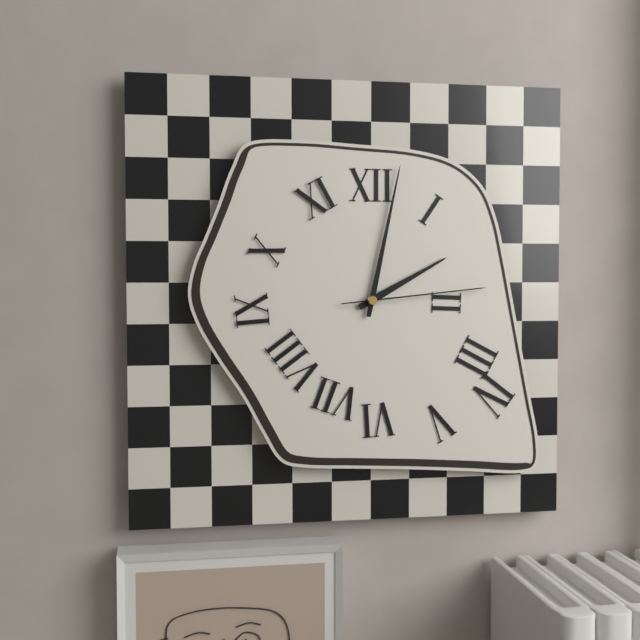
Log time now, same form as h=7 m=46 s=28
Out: h=2 m=2 s=14
